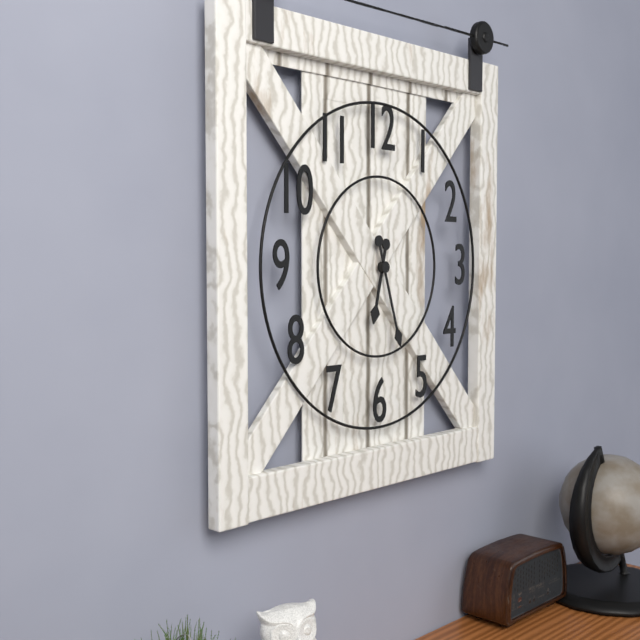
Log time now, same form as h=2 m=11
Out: h=6 m=27
